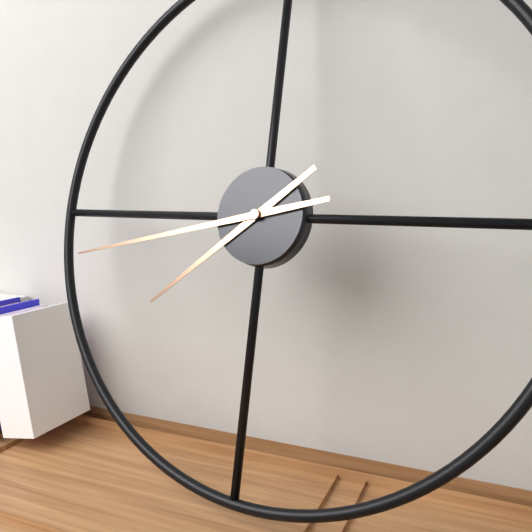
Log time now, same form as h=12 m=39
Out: h=7 m=43
